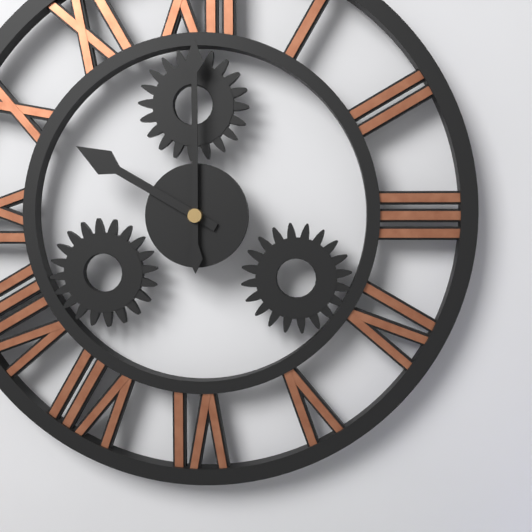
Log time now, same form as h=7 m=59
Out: h=10 m=0
